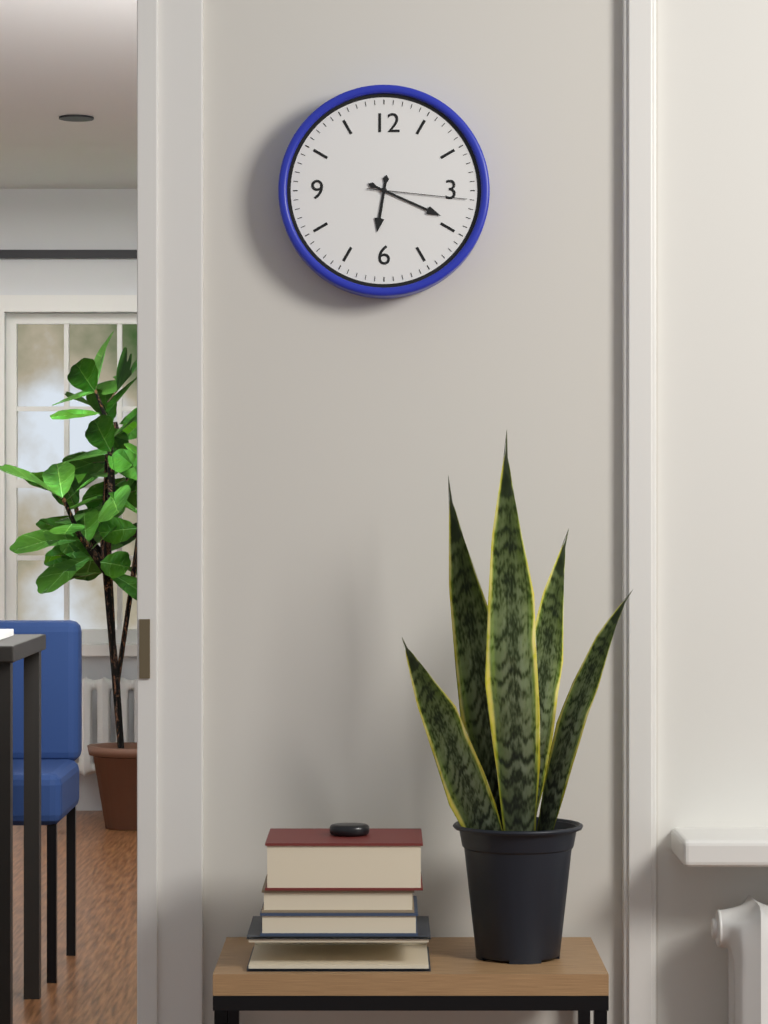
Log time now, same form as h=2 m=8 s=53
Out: h=6 m=19 s=16
